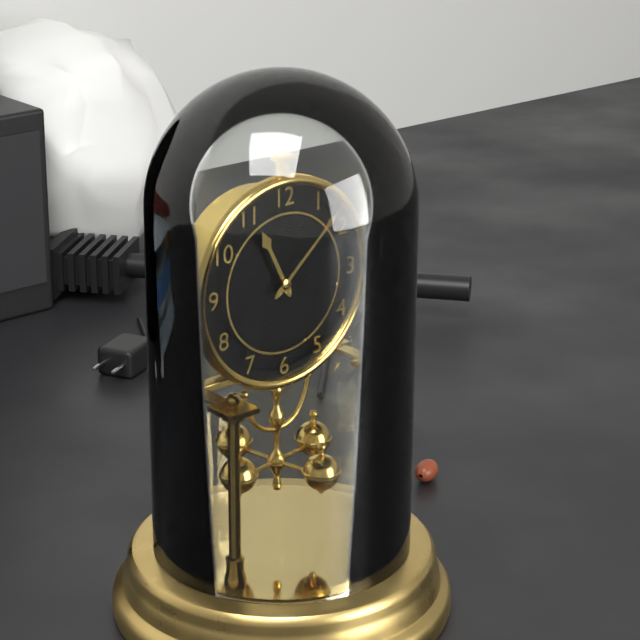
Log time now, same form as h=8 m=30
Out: h=11 m=8
